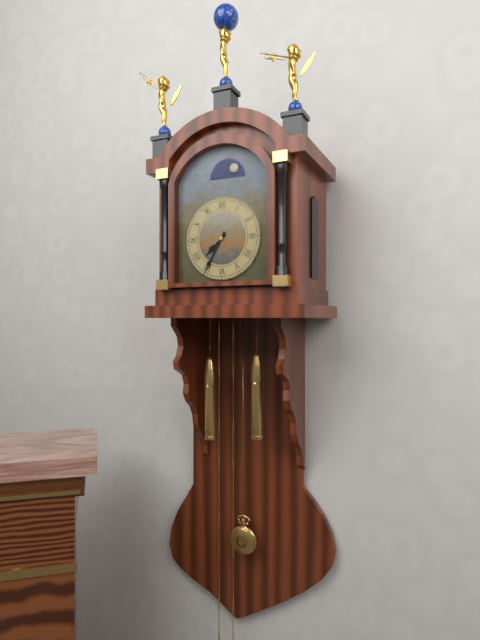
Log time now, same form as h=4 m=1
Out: h=7 m=35
